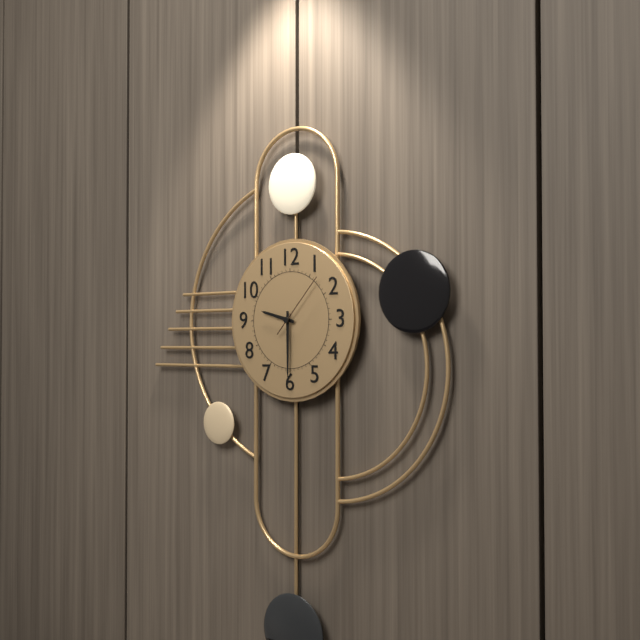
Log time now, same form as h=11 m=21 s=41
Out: h=9 m=30 s=7
